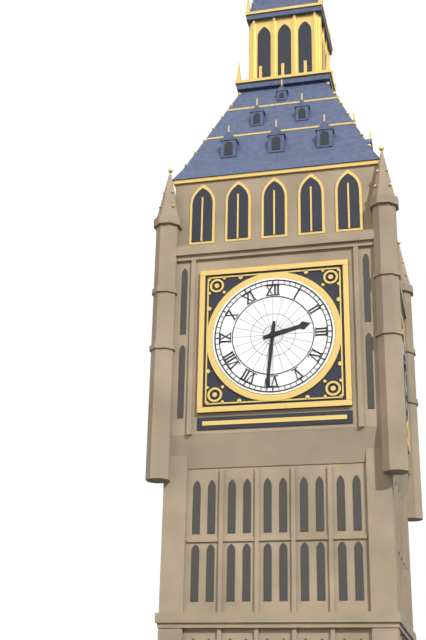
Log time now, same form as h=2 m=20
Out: h=2 m=31
